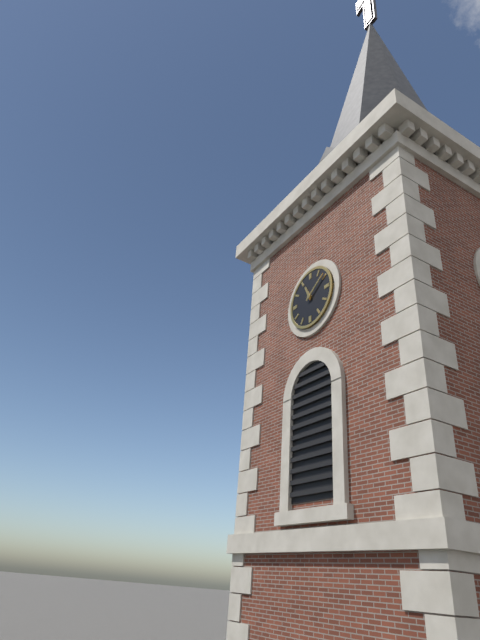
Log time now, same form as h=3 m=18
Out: h=11 m=9
